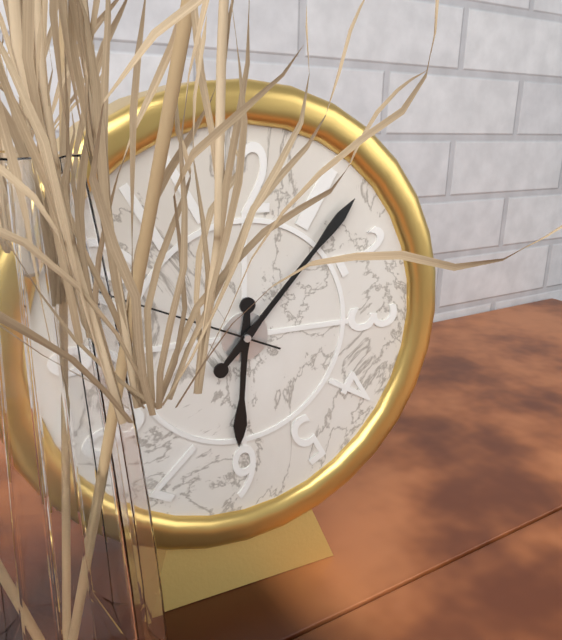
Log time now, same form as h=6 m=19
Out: h=6 m=7
